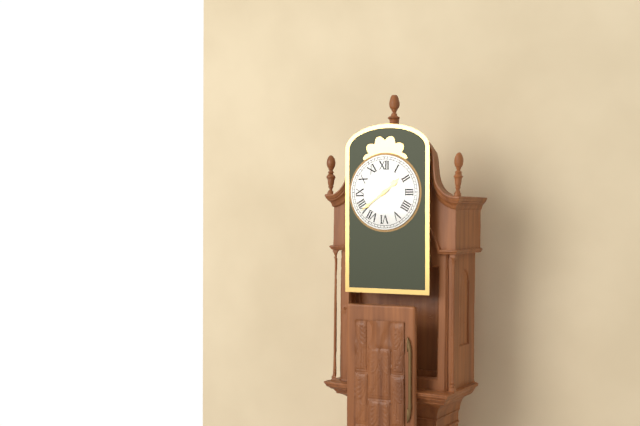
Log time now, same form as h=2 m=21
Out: h=1 m=39
